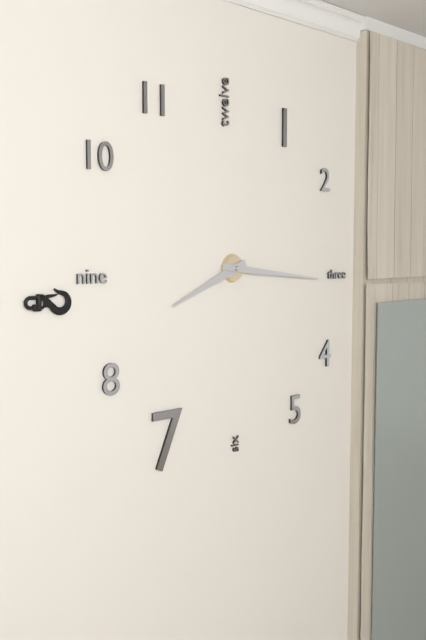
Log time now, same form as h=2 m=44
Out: h=8 m=16
